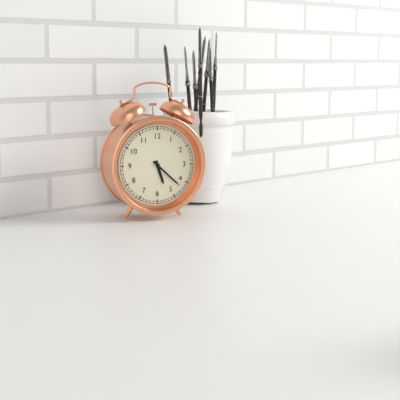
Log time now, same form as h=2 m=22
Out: h=5 m=22
